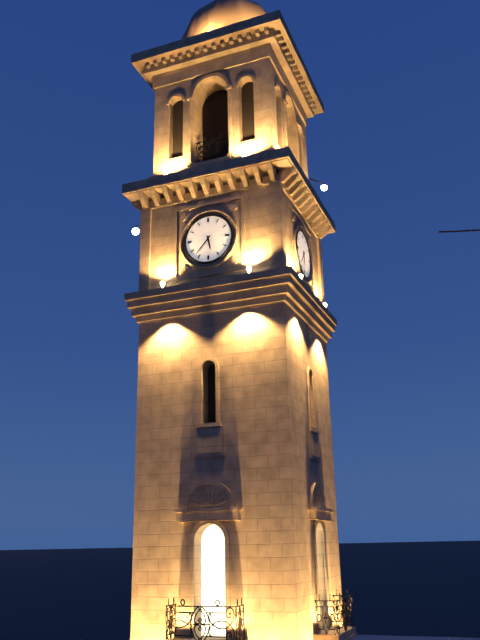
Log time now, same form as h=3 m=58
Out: h=5 m=37
